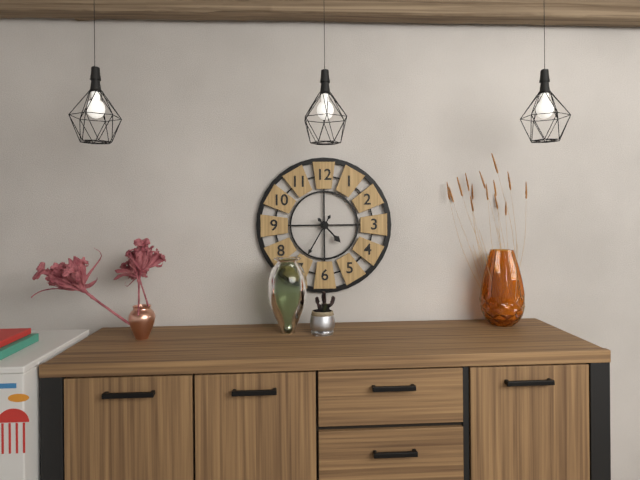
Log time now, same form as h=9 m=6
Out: h=4 m=35
